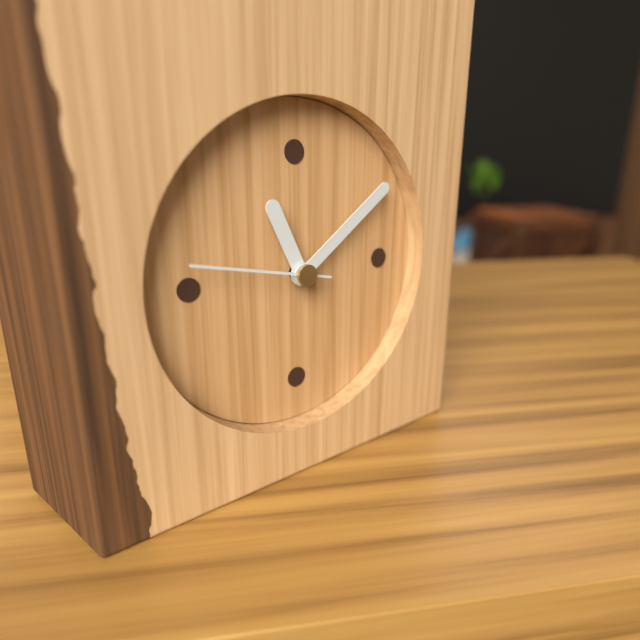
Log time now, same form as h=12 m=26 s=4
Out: h=11 m=9 s=47
